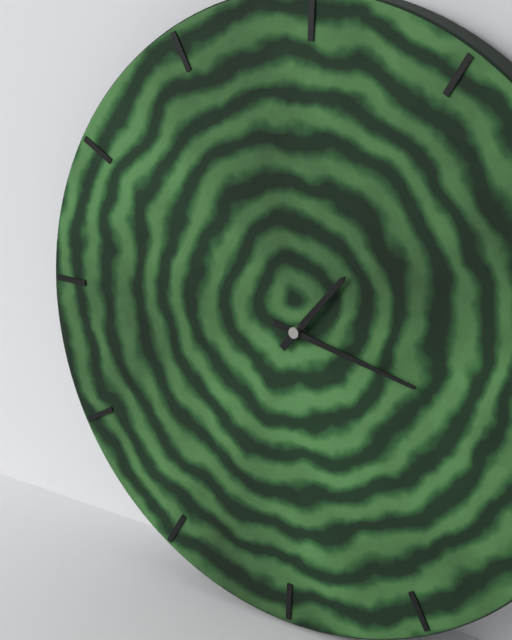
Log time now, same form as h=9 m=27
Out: h=1 m=17
